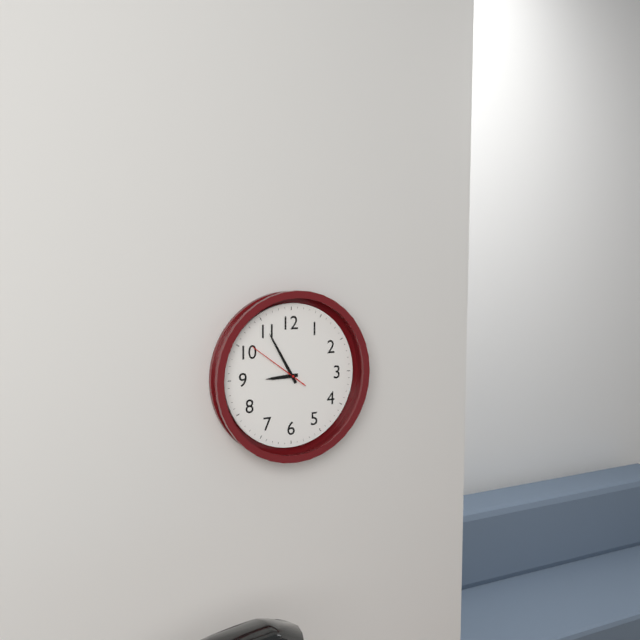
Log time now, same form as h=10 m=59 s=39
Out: h=8 m=55 s=51
